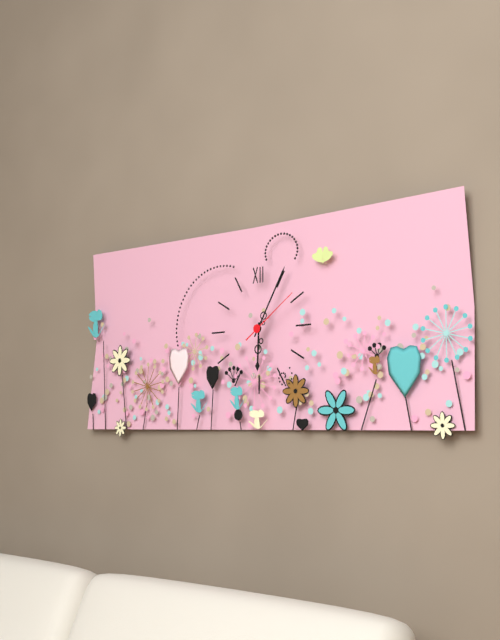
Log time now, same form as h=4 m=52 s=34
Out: h=6 m=5 s=9
